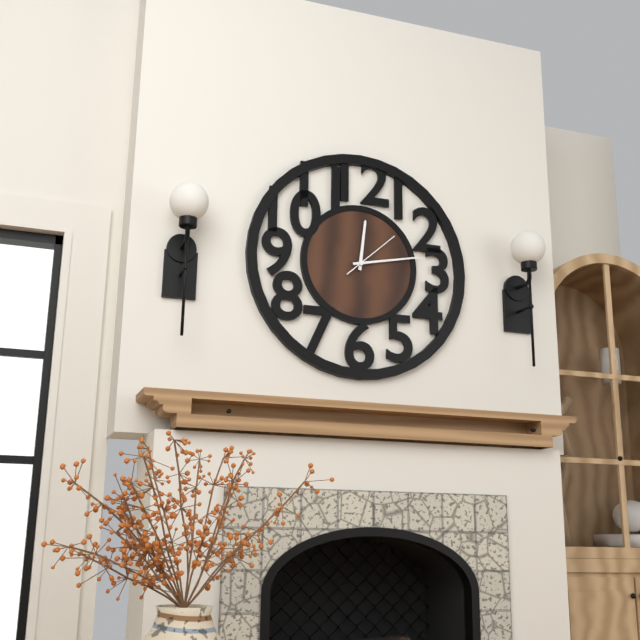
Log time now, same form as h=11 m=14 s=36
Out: h=12 m=13 s=8
